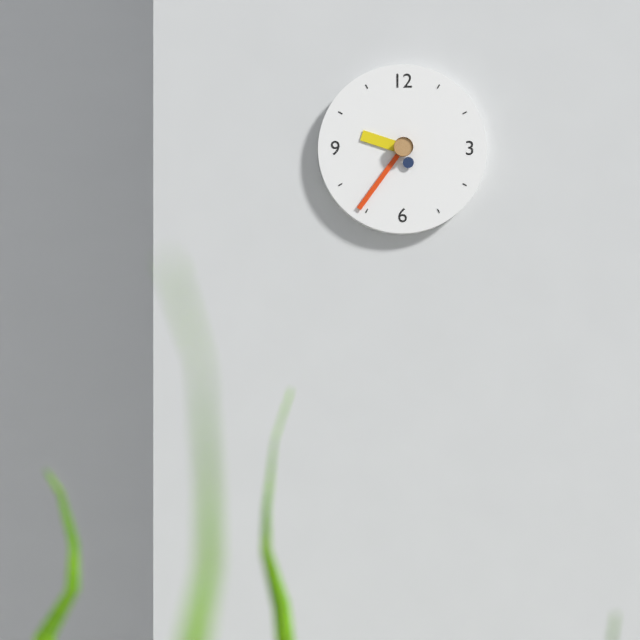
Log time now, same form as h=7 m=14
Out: h=9 m=36
